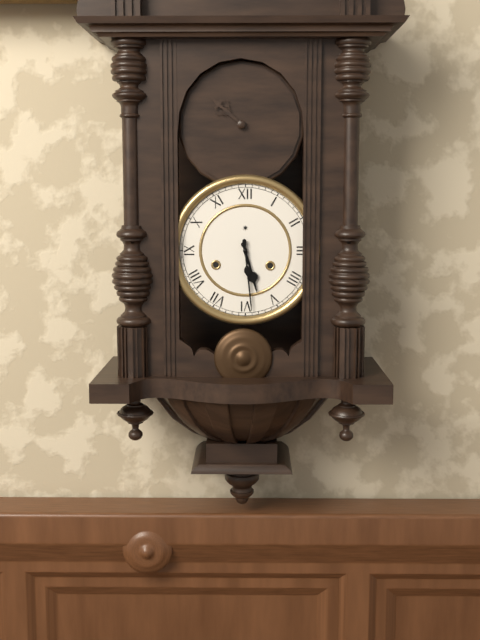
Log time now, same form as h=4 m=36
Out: h=5 m=29
